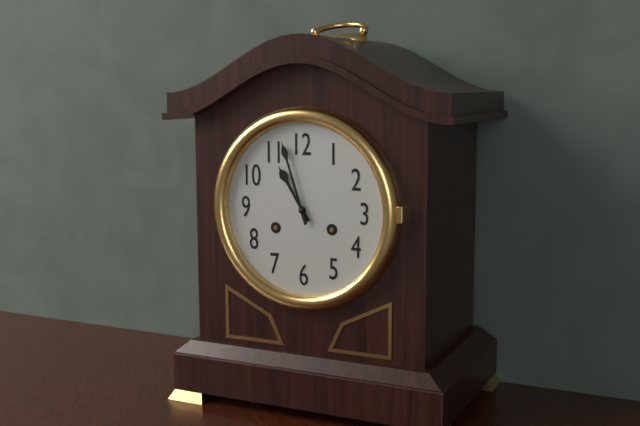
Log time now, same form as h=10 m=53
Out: h=10 m=57
